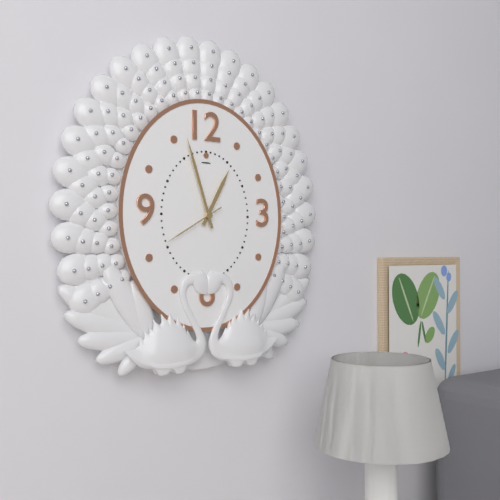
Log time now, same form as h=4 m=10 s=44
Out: h=12 m=57 s=40
